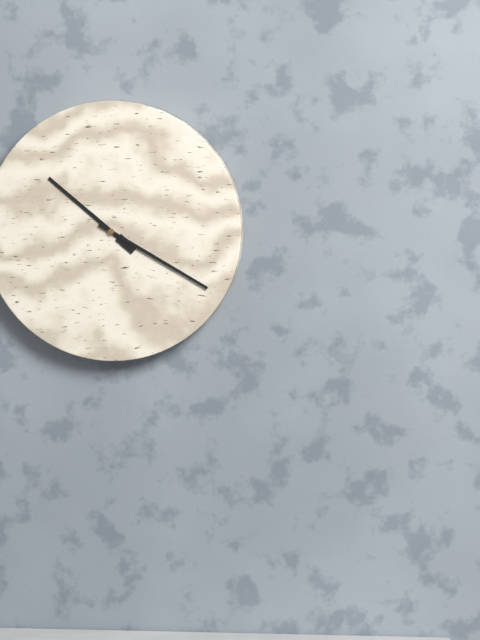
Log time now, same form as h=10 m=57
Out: h=10 m=20
